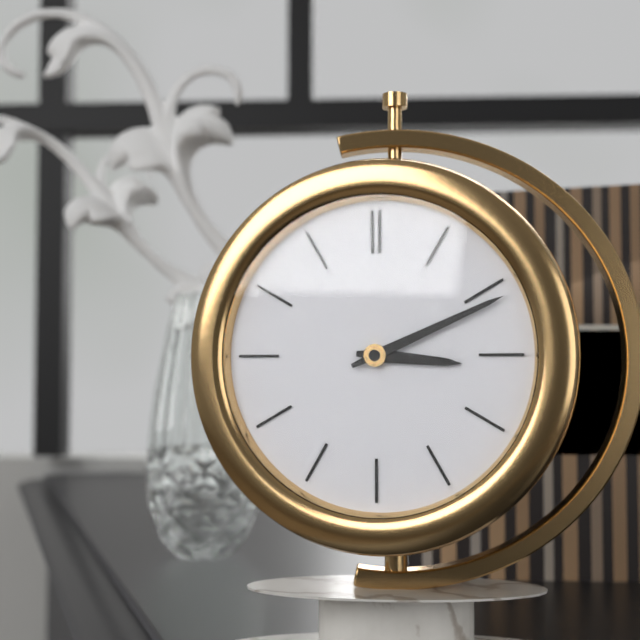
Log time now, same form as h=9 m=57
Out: h=3 m=11
